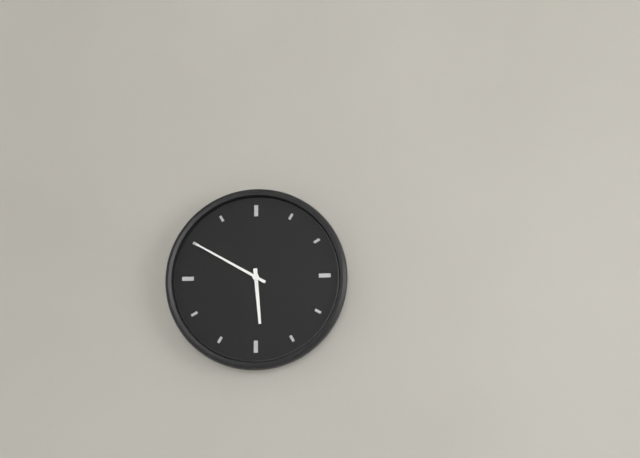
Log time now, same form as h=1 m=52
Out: h=5 m=50
